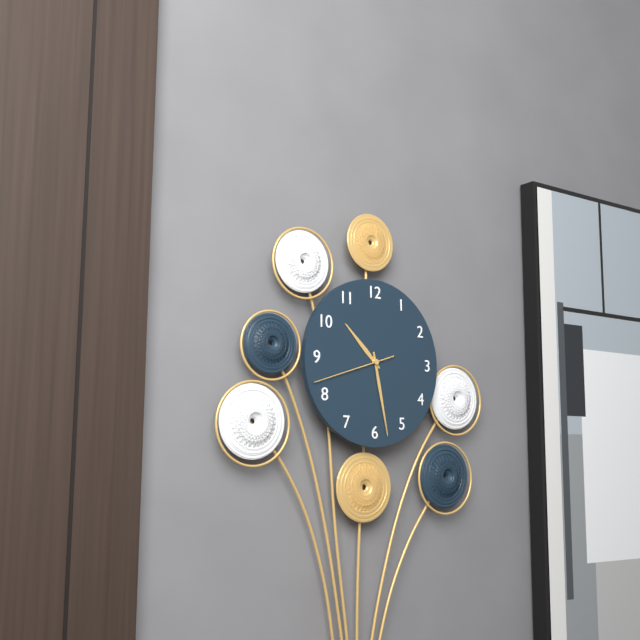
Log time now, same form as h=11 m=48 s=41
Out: h=10 m=28 s=42
